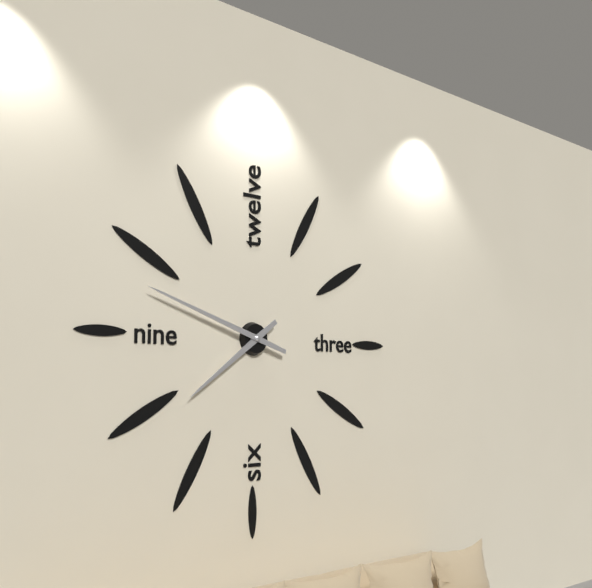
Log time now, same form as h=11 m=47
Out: h=7 m=48
